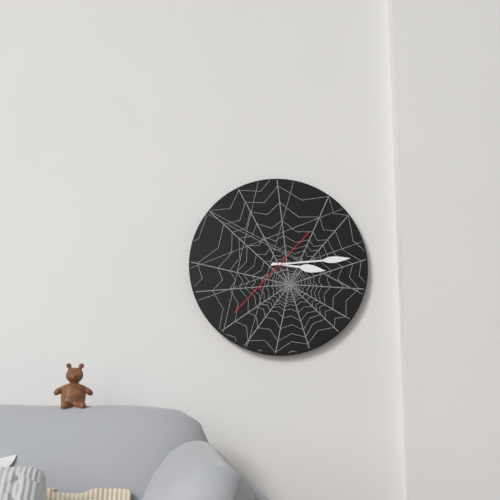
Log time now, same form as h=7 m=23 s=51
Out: h=3 m=14 s=37
